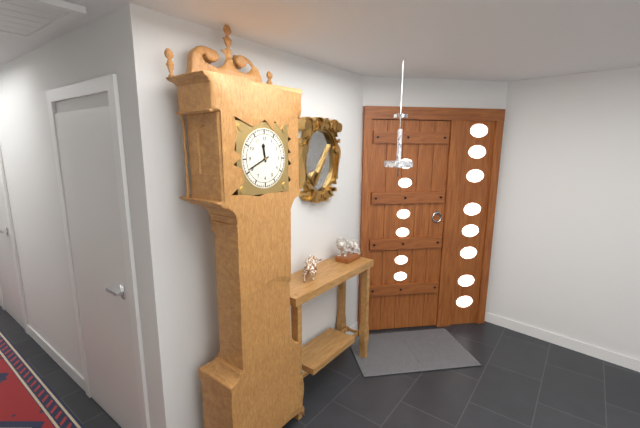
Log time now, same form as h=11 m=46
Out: h=11 m=41
